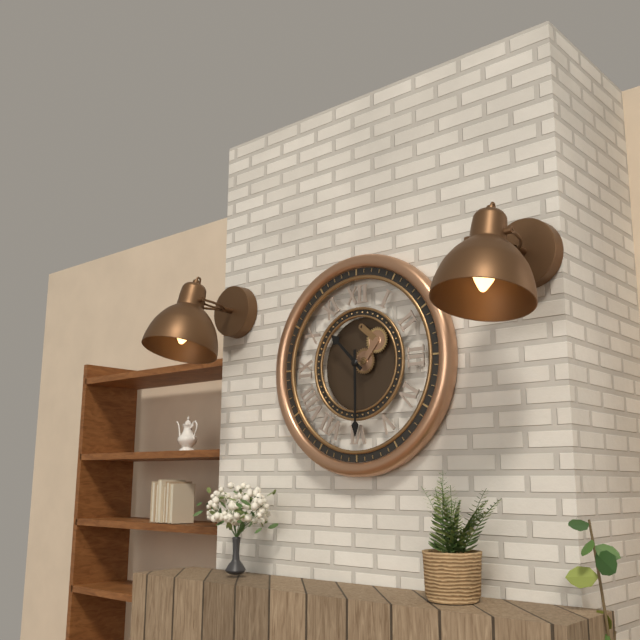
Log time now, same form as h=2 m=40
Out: h=10 m=30
